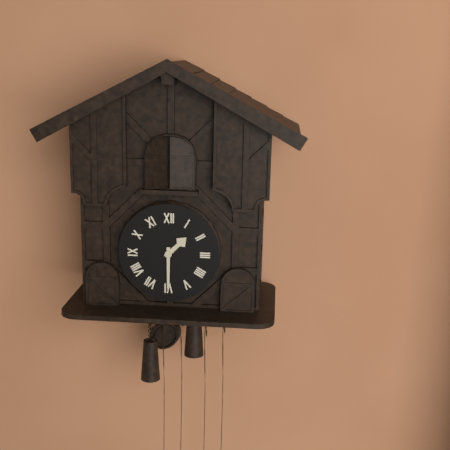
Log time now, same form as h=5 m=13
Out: h=1 m=30
